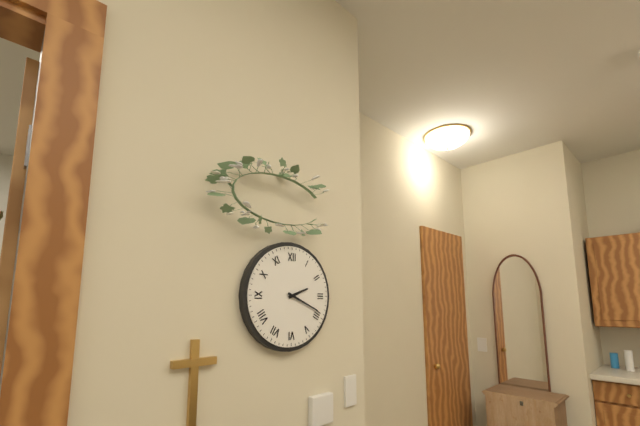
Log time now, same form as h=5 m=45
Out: h=2 m=19
